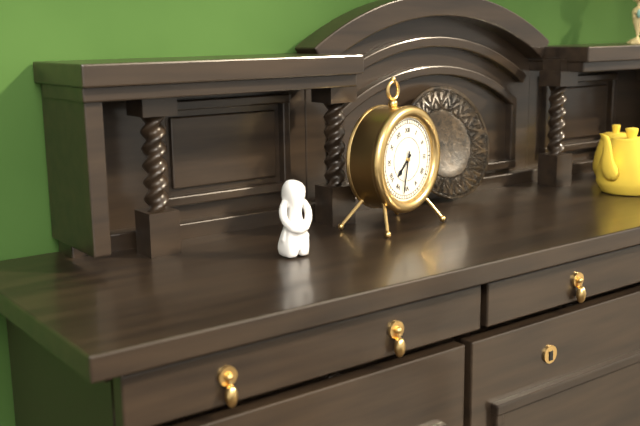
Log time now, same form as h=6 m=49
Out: h=7 m=32
